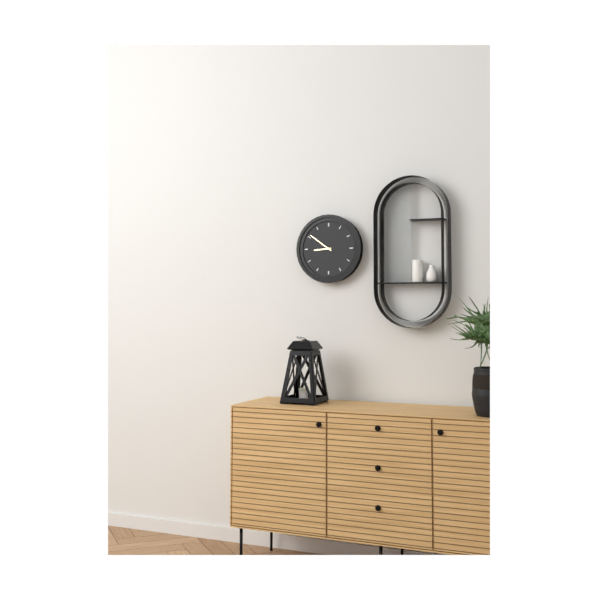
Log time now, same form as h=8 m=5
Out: h=8 m=51
